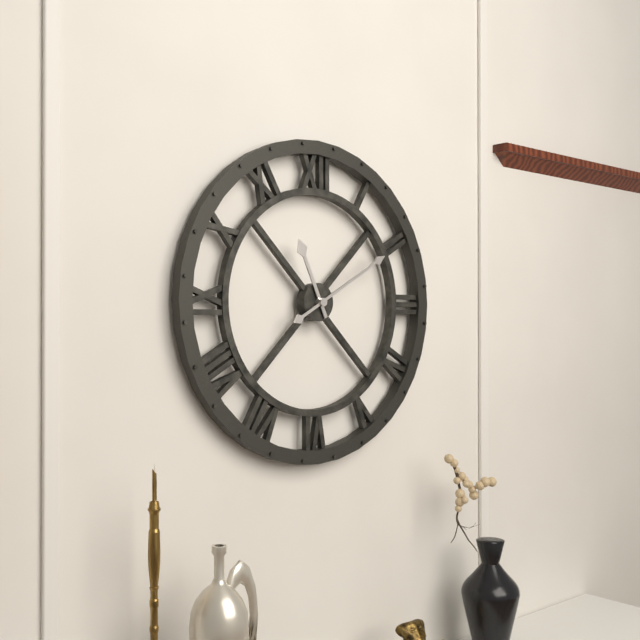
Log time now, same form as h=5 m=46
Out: h=11 m=10
